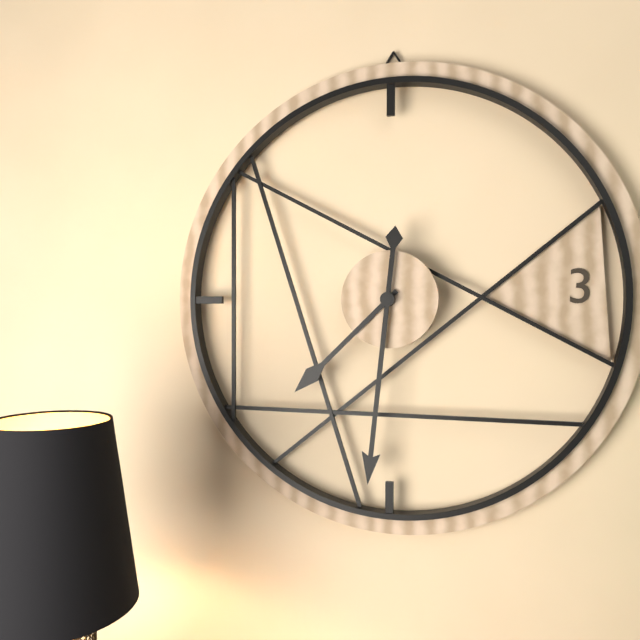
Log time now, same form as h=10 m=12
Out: h=7 m=31
